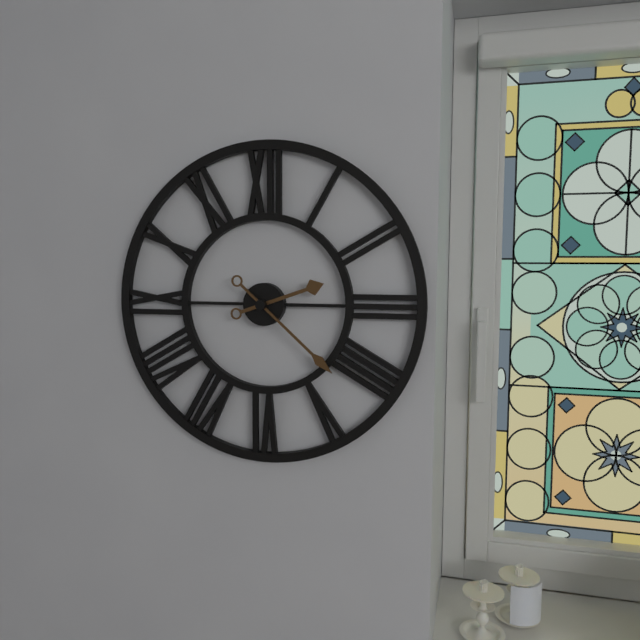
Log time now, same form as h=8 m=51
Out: h=2 m=22
